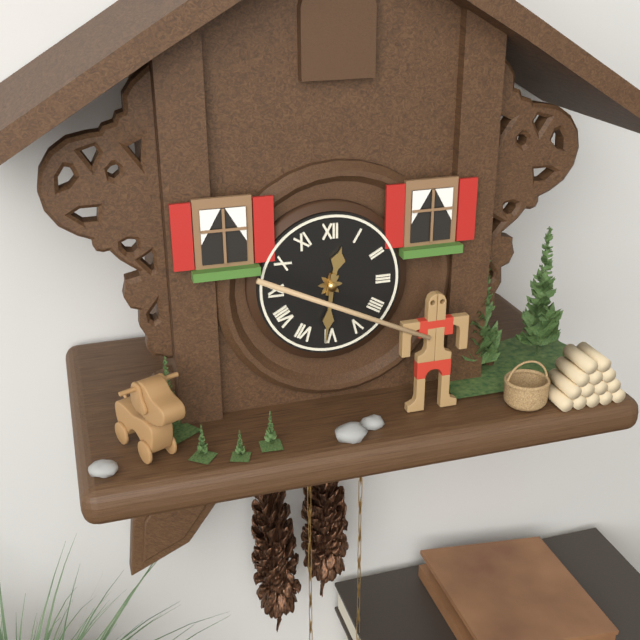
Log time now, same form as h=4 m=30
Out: h=12 m=31
